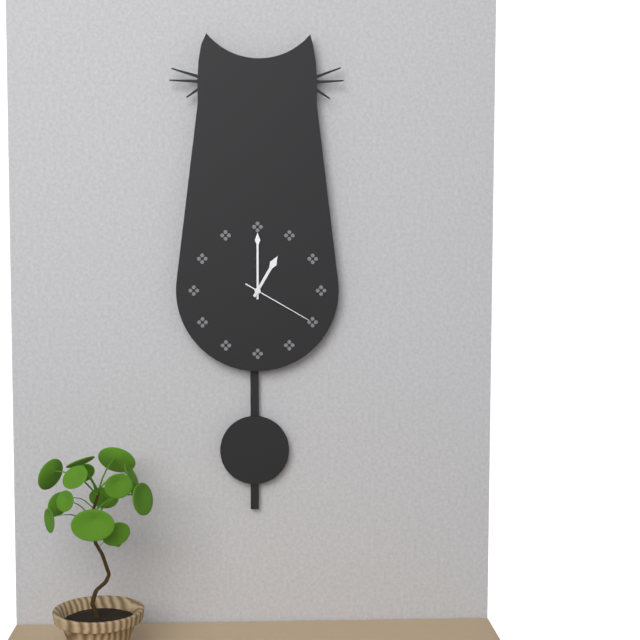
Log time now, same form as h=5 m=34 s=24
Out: h=1 m=0 s=20
